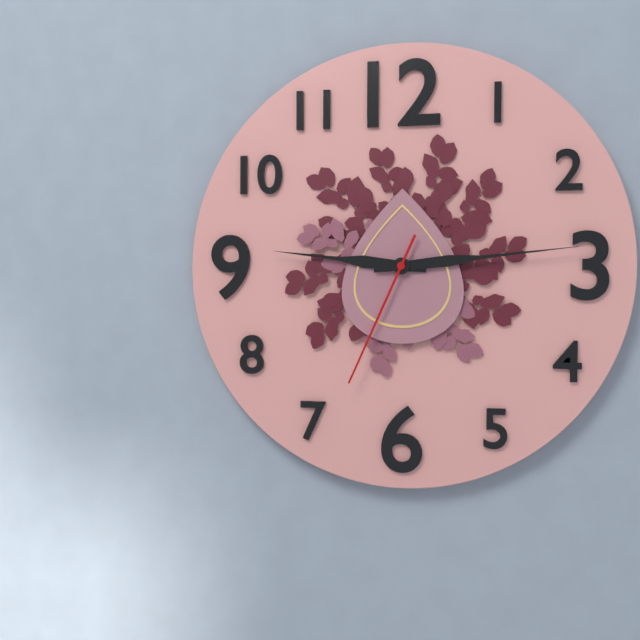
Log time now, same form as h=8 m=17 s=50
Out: h=9 m=14 s=34
